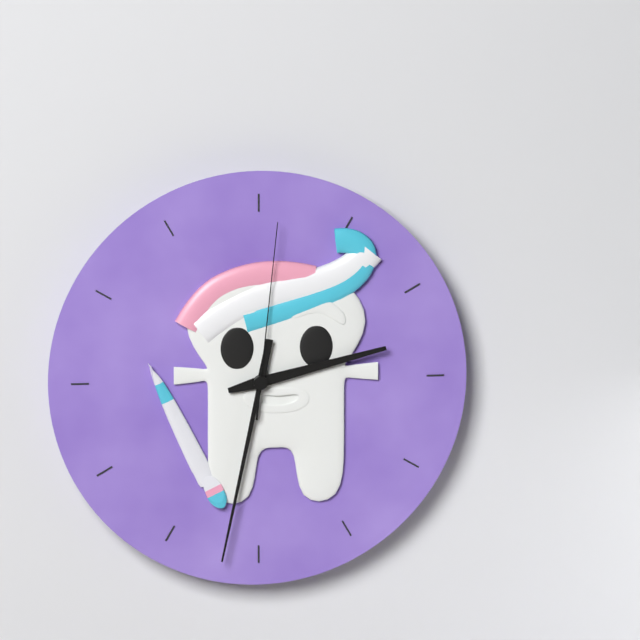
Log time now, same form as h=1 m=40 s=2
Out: h=2 m=32 s=1
